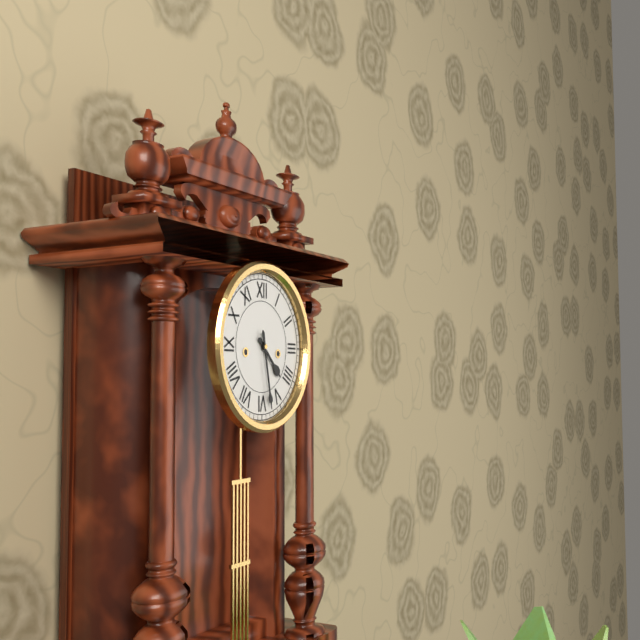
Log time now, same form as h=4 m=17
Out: h=4 m=28
